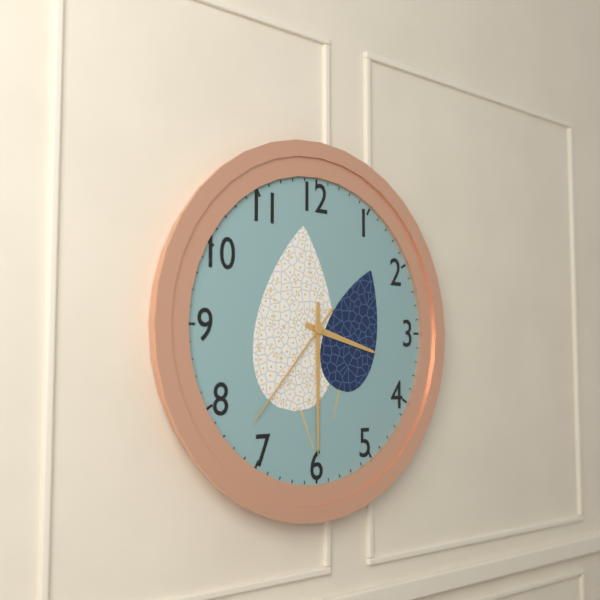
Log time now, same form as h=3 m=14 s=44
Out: h=3 m=30 s=37
